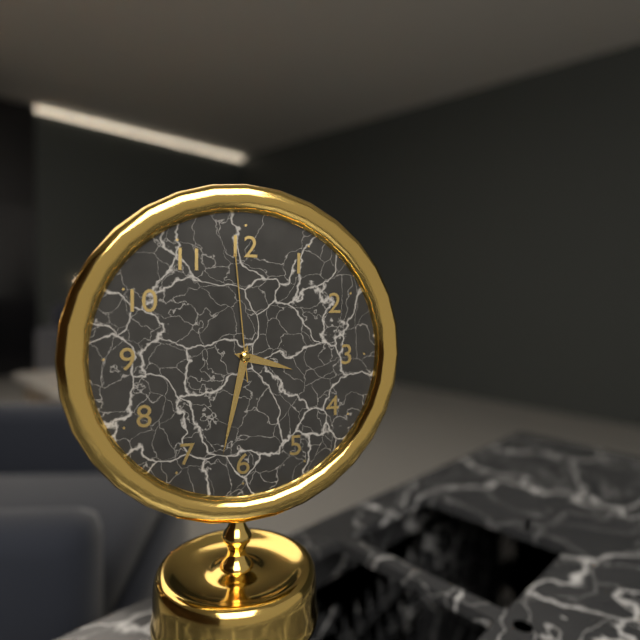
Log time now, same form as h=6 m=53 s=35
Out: h=3 m=32 s=59
